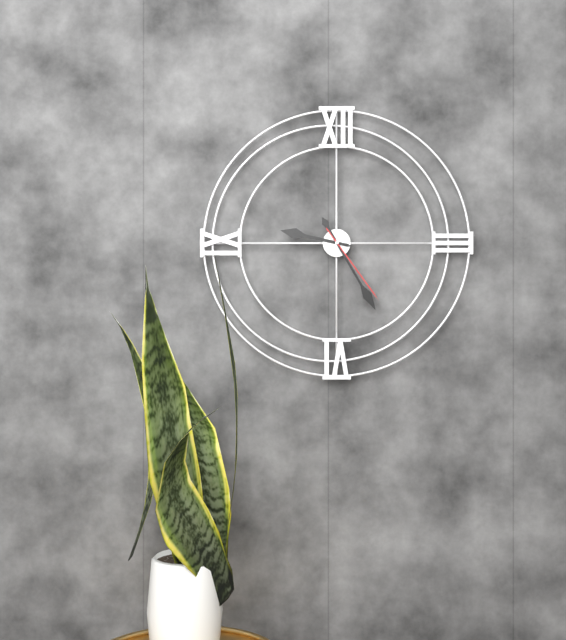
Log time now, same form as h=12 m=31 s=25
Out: h=9 m=25 s=24
